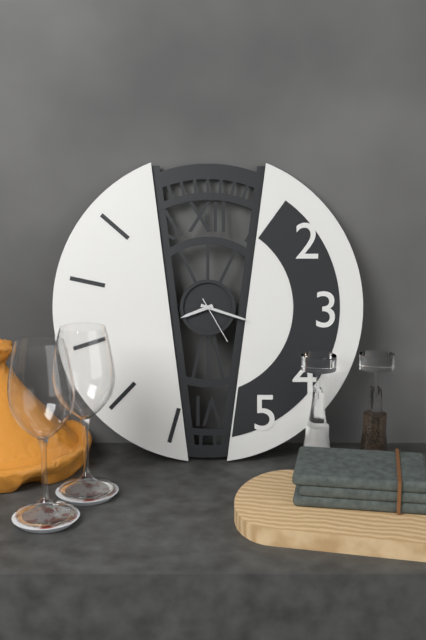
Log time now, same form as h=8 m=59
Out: h=8 m=18
